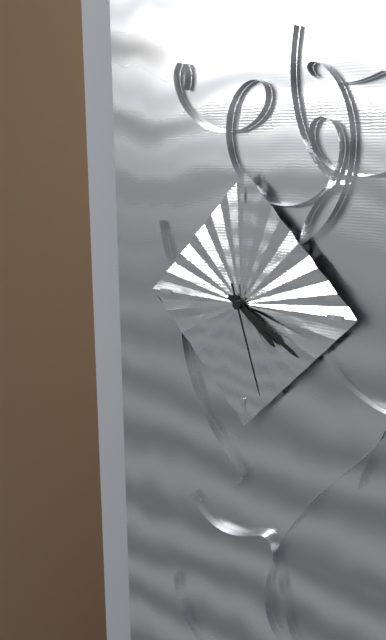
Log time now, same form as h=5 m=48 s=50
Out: h=4 m=20 s=27
